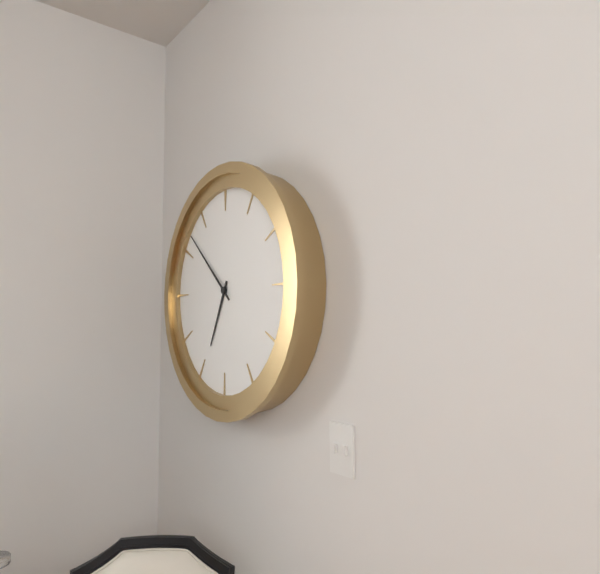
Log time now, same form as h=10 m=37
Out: h=6 m=52
